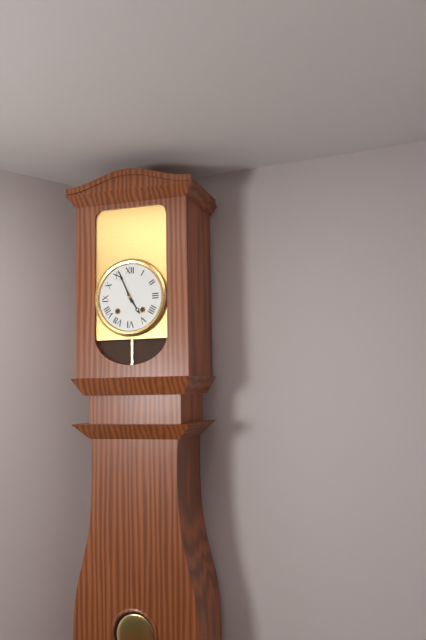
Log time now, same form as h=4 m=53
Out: h=4 m=56
